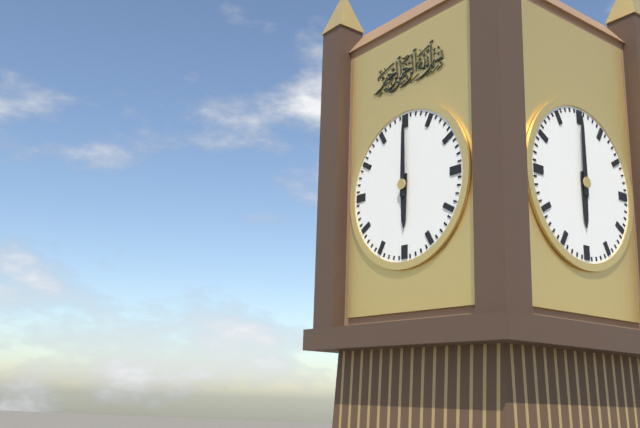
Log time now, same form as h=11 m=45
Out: h=6 m=0
